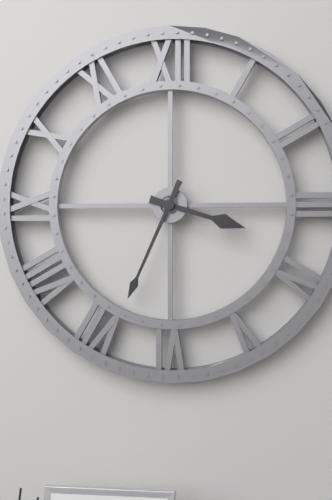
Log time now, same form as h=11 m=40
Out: h=3 m=34
